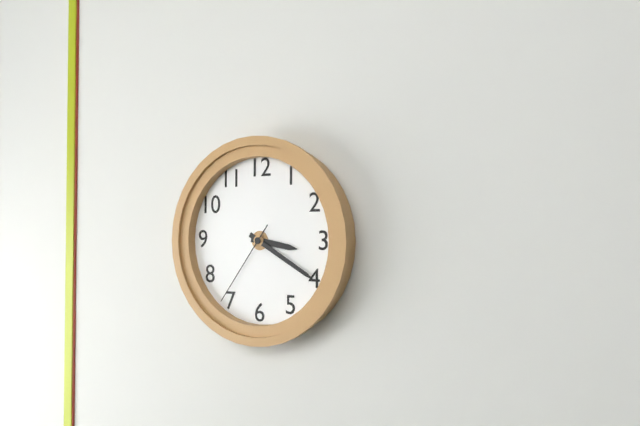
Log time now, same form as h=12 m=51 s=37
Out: h=3 m=20 s=36
